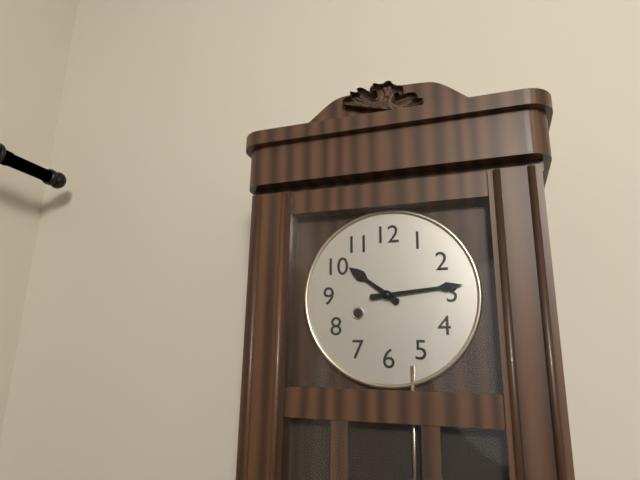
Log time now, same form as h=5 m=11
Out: h=10 m=14
